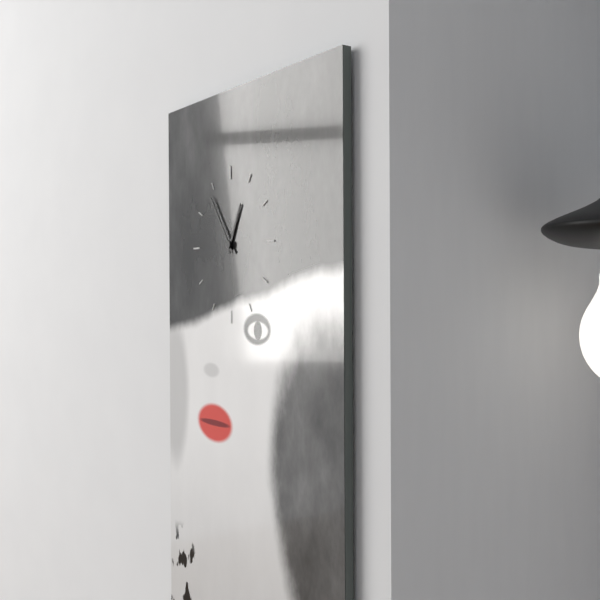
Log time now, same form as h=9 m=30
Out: h=12 m=54
